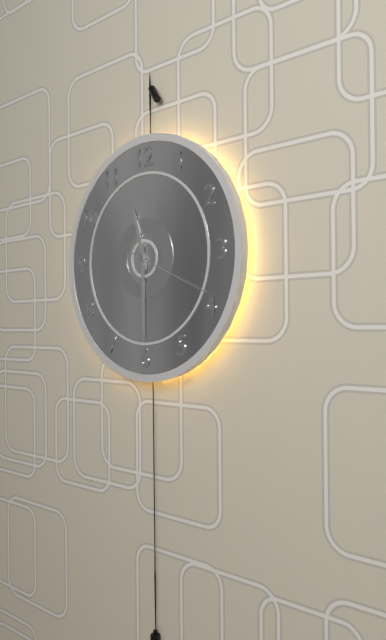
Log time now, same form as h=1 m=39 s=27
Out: h=11 m=30 s=19
